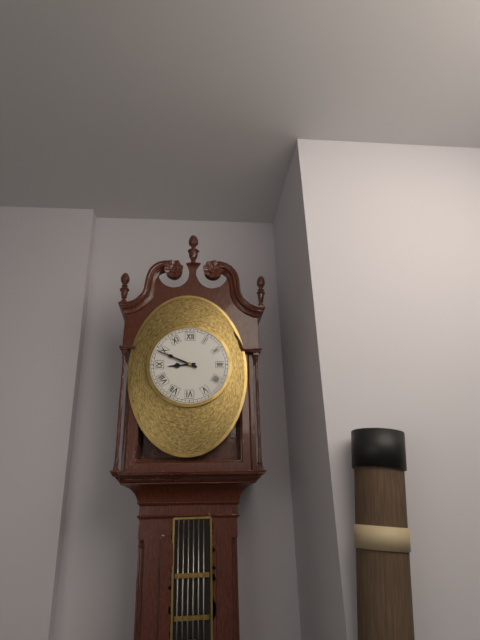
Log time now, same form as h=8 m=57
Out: h=8 m=49
